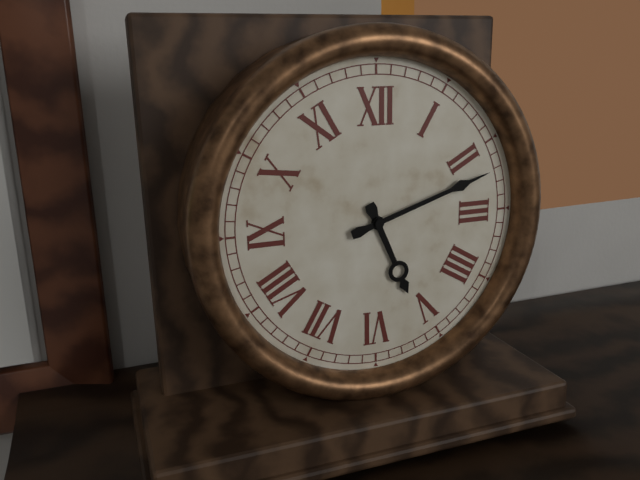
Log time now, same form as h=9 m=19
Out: h=5 m=12
